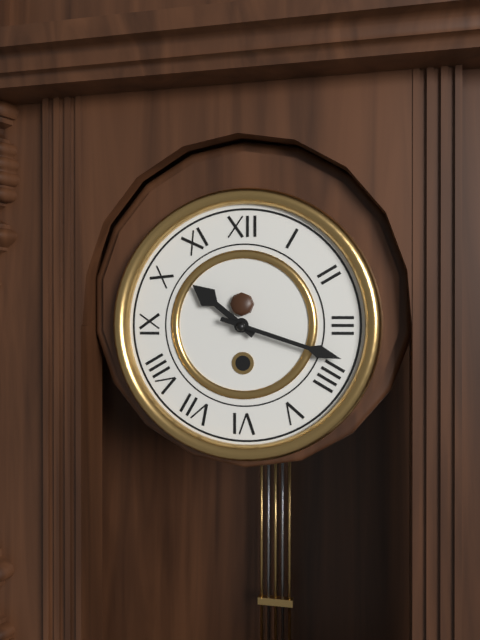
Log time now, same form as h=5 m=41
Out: h=10 m=18
